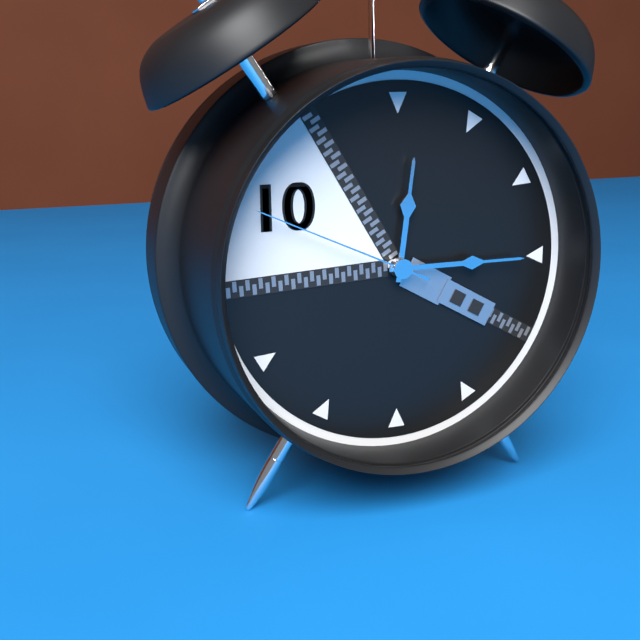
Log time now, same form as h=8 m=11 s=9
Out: h=12 m=15 s=49
